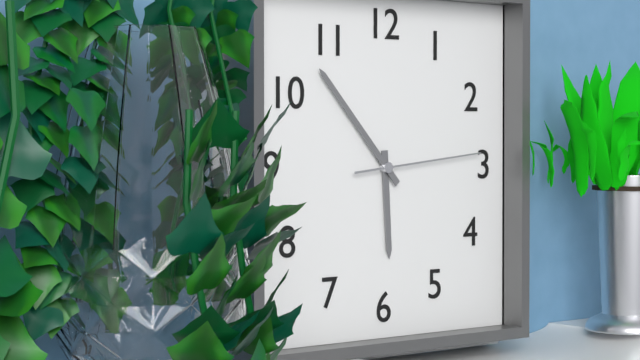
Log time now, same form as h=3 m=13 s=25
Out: h=5 m=53 s=14
